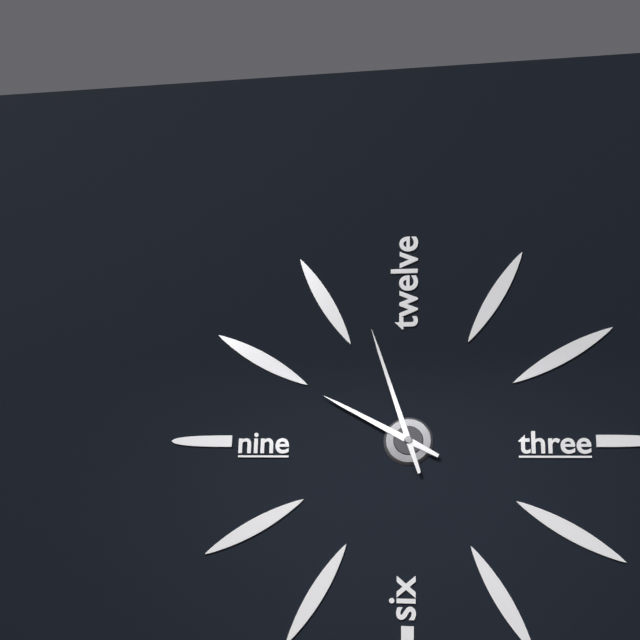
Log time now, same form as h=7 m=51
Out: h=9 m=57
